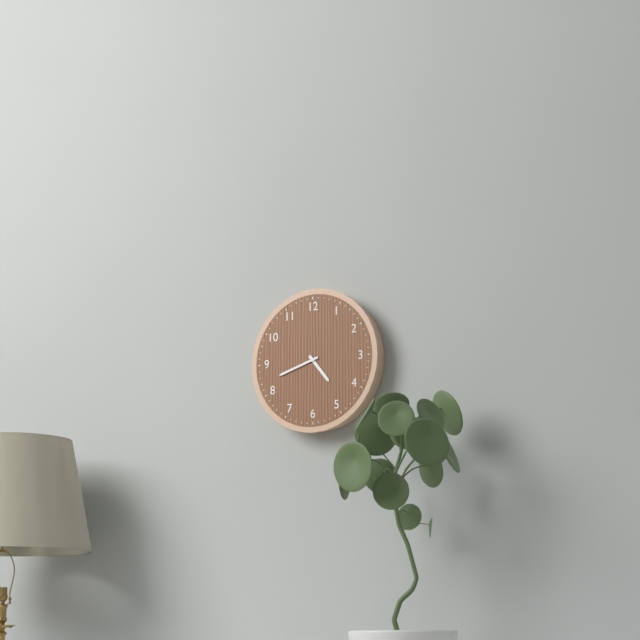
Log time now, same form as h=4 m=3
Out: h=4 m=42
